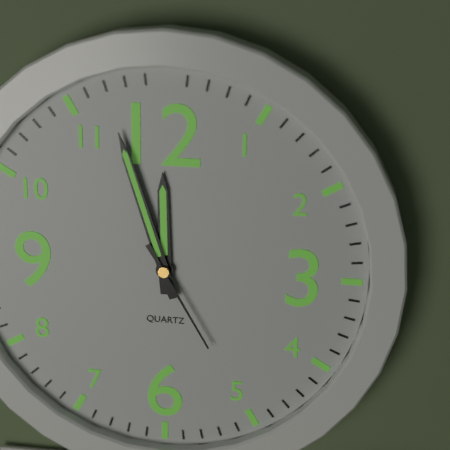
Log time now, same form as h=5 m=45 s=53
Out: h=11 m=57 s=25
